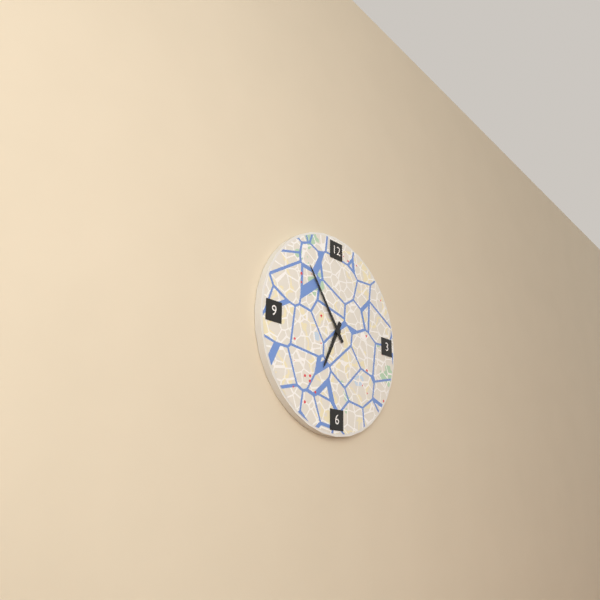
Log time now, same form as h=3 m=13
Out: h=6 m=54
